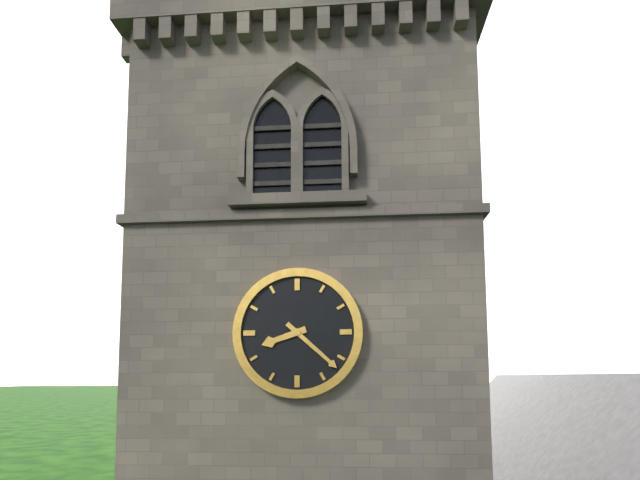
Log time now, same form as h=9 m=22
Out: h=8 m=22
